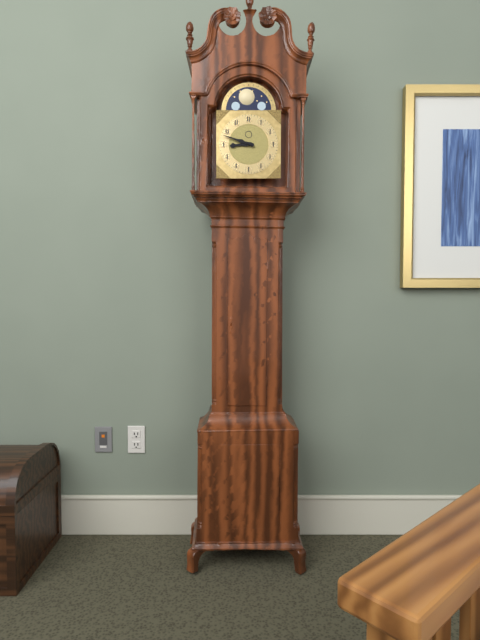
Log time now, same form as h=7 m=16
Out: h=8 m=48
